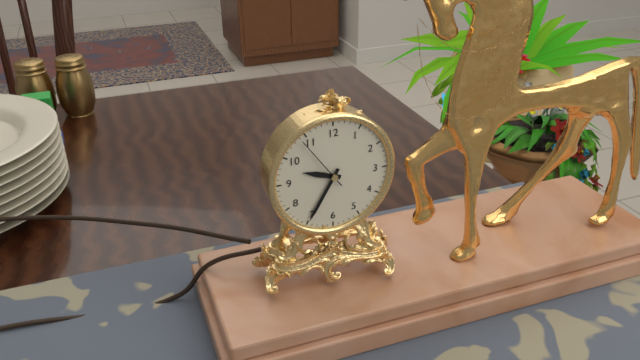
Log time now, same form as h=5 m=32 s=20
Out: h=9 m=35 s=54
